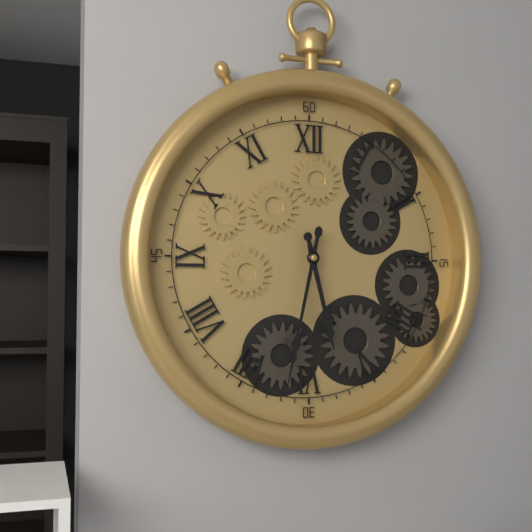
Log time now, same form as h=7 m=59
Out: h=5 m=32
